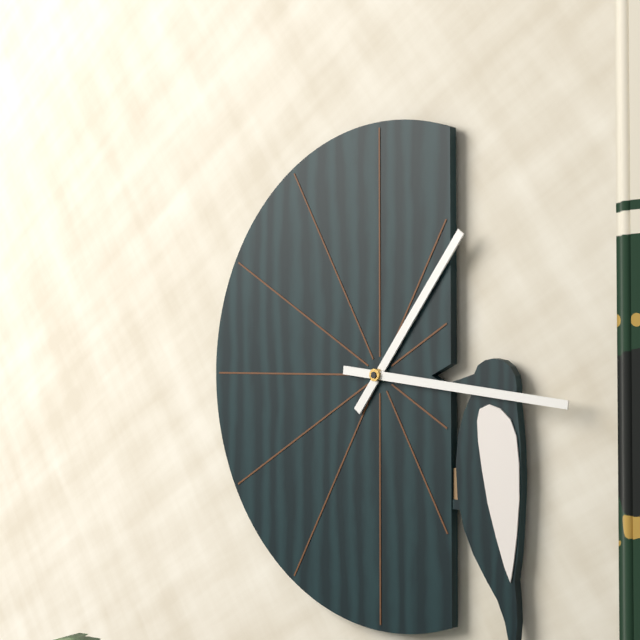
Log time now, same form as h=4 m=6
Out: h=1 m=16
